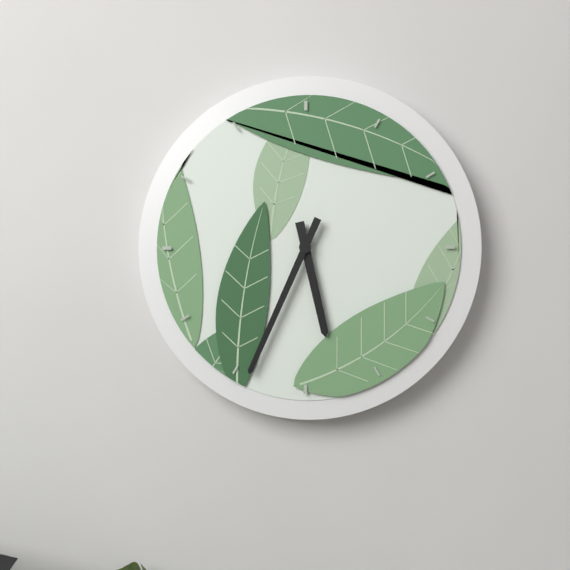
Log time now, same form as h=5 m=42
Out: h=5 m=34
